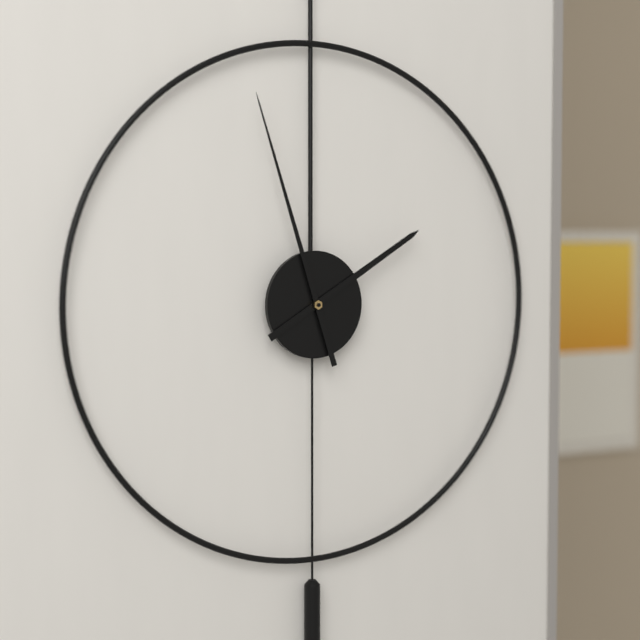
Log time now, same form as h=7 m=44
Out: h=1 m=57
